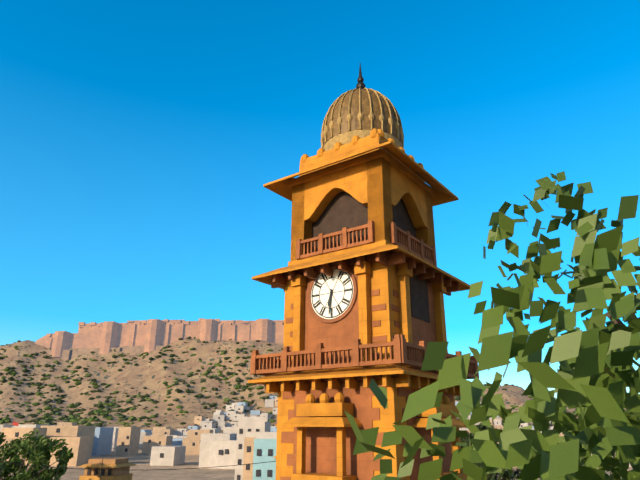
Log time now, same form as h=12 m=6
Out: h=6 m=31
